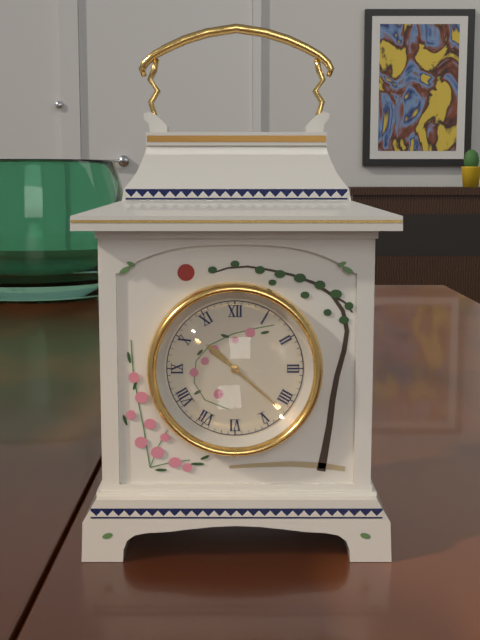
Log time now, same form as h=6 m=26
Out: h=10 m=22
